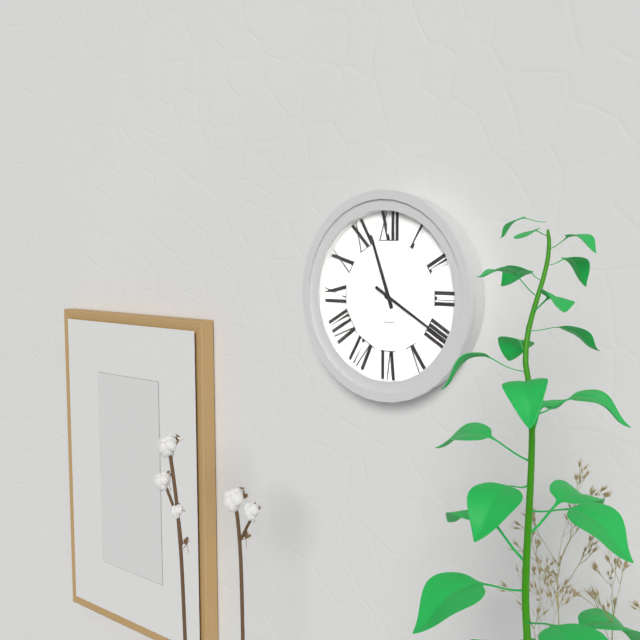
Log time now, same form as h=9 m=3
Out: h=11 m=20
